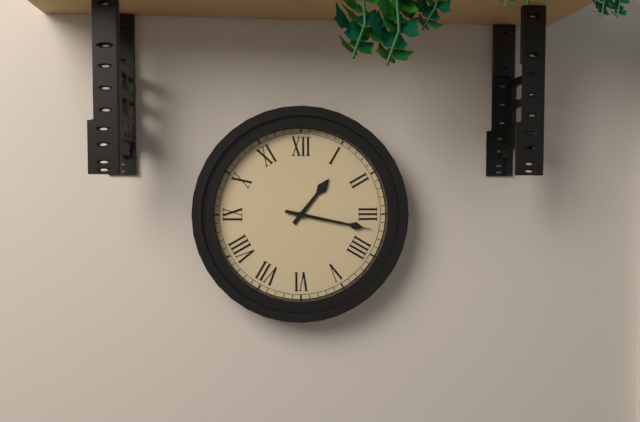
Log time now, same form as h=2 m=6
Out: h=1 m=17
